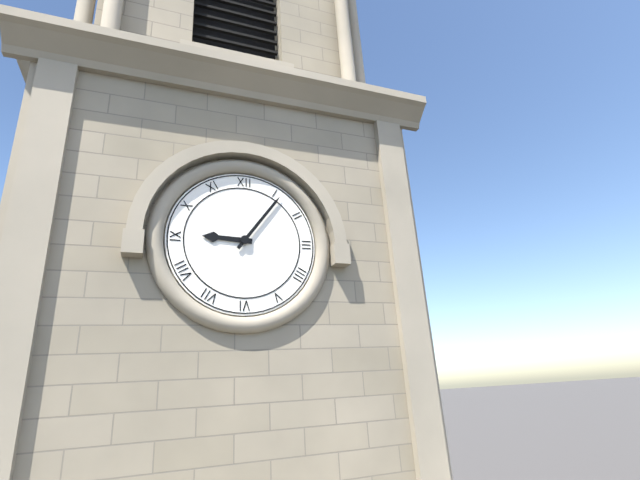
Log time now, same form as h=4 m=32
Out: h=9 m=6
